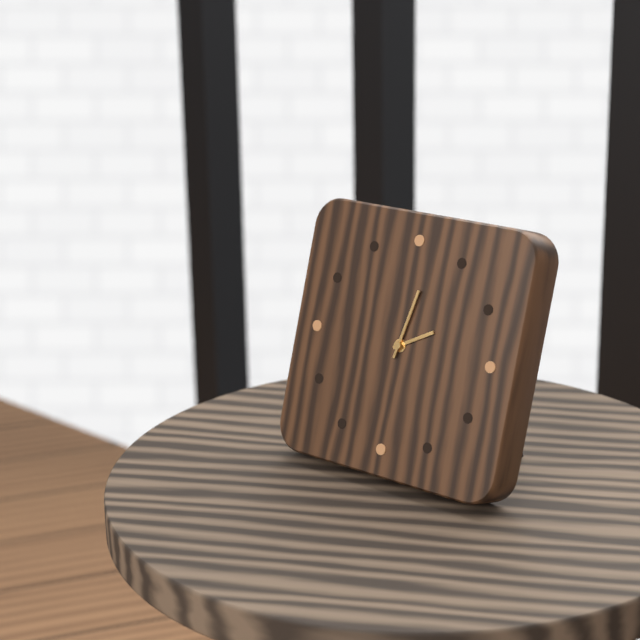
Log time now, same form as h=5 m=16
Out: h=2 m=2
